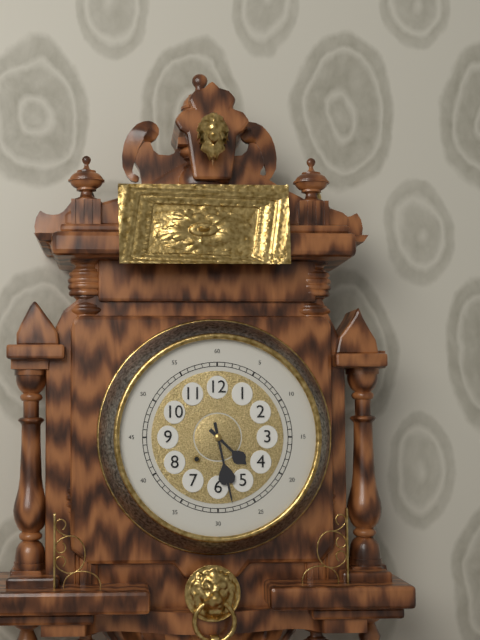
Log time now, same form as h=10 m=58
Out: h=4 m=28
